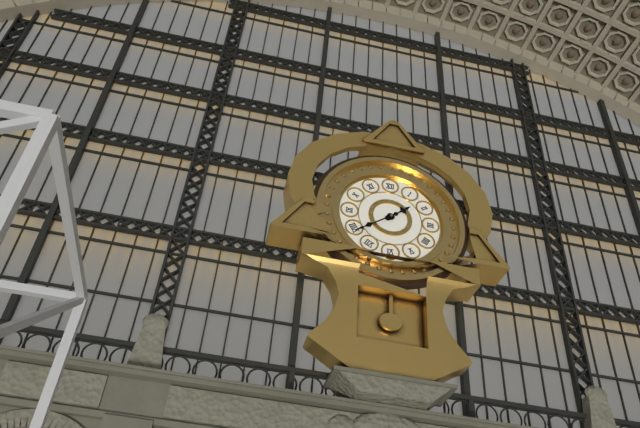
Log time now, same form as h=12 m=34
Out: h=1 m=39
